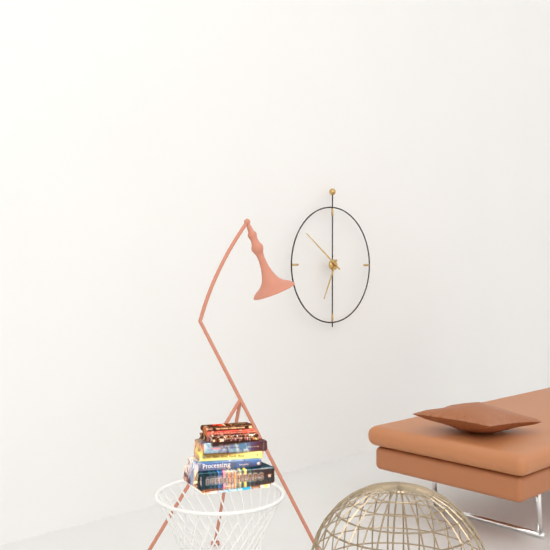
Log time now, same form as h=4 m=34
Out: h=6 m=51
